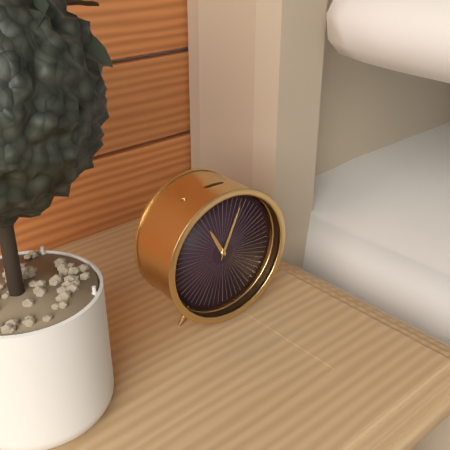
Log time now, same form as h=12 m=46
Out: h=11 m=4
